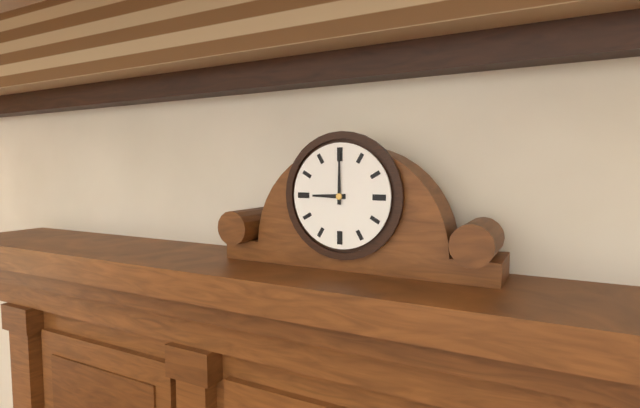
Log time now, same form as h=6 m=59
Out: h=9 m=0
